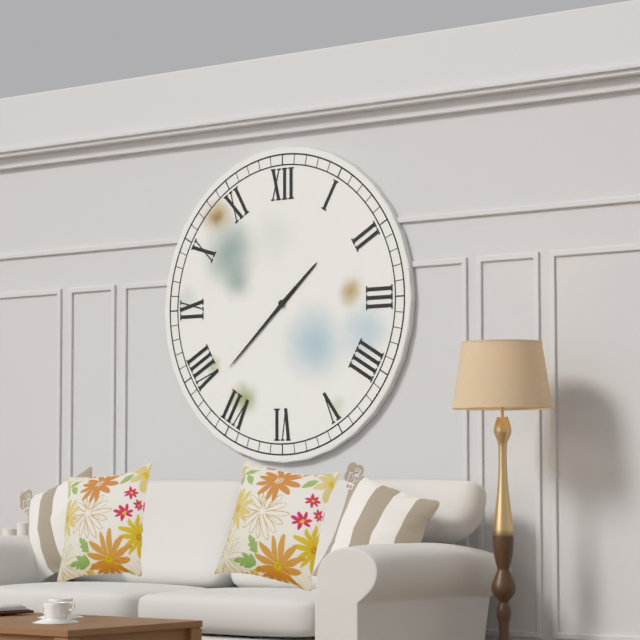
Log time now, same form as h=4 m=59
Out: h=1 m=38
